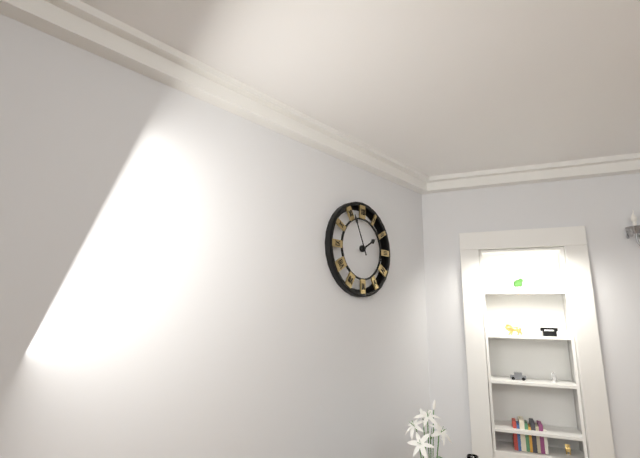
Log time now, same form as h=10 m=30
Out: h=1 m=56
